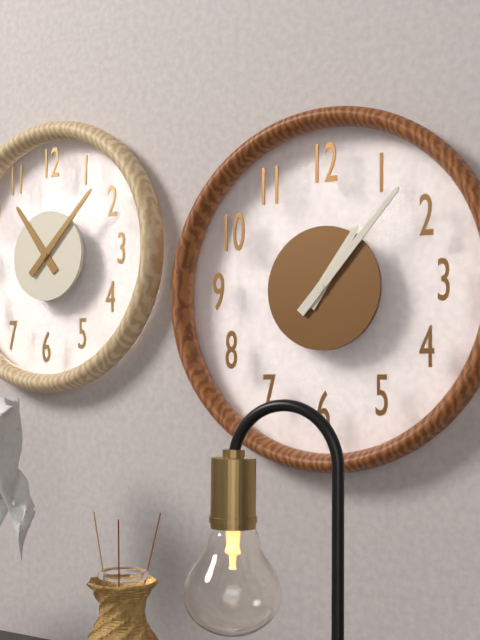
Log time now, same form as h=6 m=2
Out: h=1 m=7
